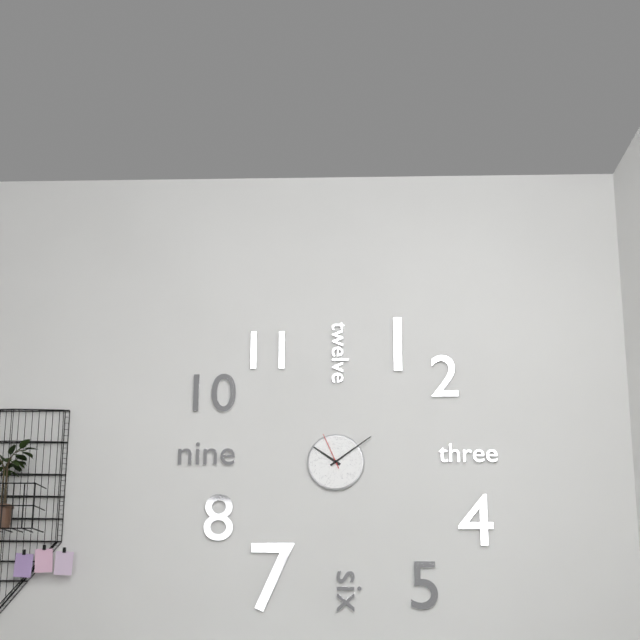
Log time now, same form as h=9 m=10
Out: h=10 m=9
